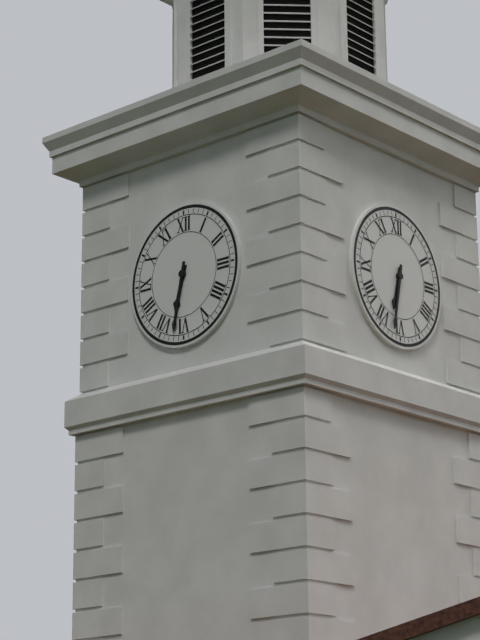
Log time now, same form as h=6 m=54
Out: h=6 m=32
